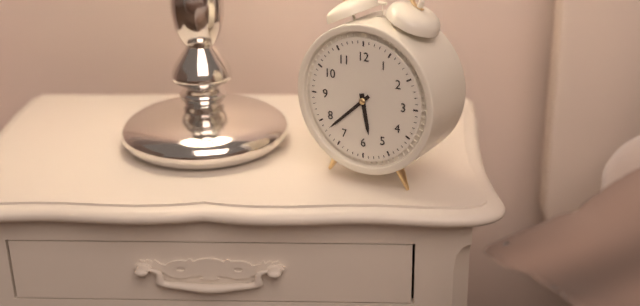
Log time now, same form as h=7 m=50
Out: h=5 m=38
